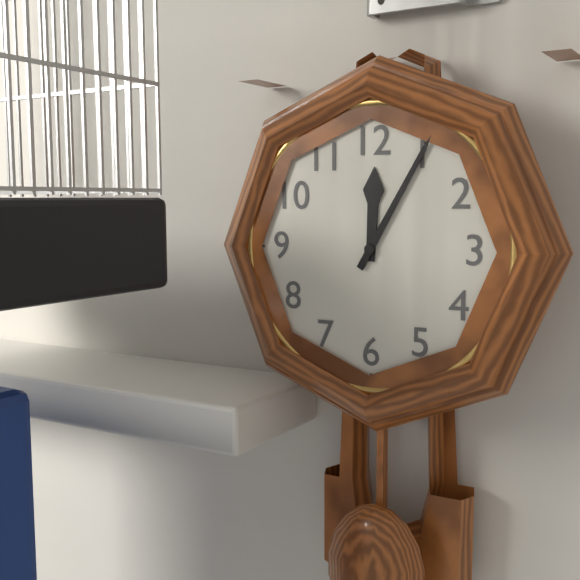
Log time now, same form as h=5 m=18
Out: h=12 m=5
